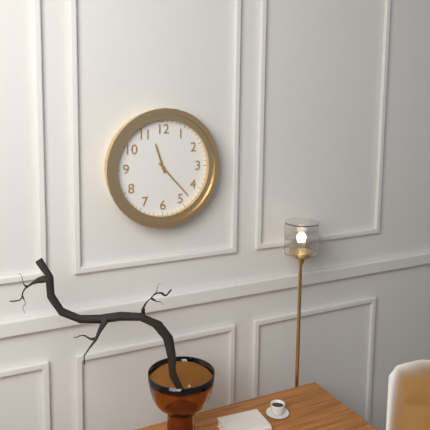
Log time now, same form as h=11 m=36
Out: h=11 m=23
